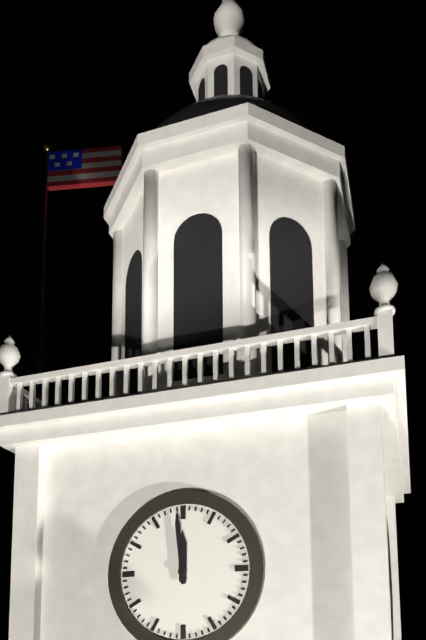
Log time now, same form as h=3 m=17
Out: h=11 m=59
